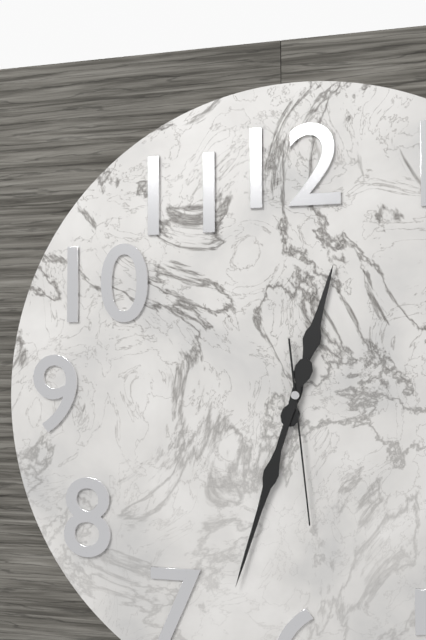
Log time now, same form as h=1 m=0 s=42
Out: h=12 m=33 s=29
